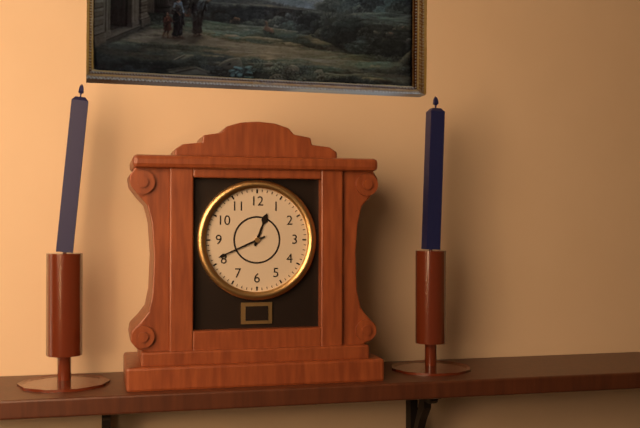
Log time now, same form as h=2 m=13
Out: h=12 m=41
